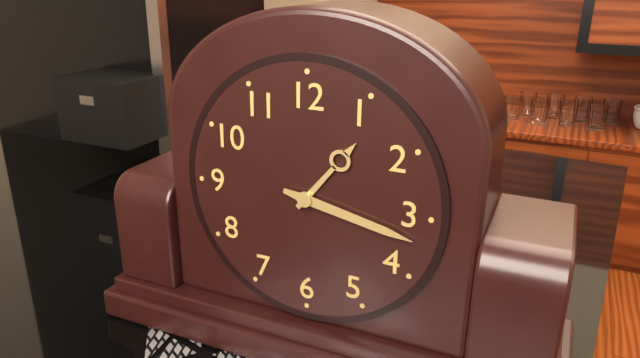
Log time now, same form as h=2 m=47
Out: h=1 m=17
